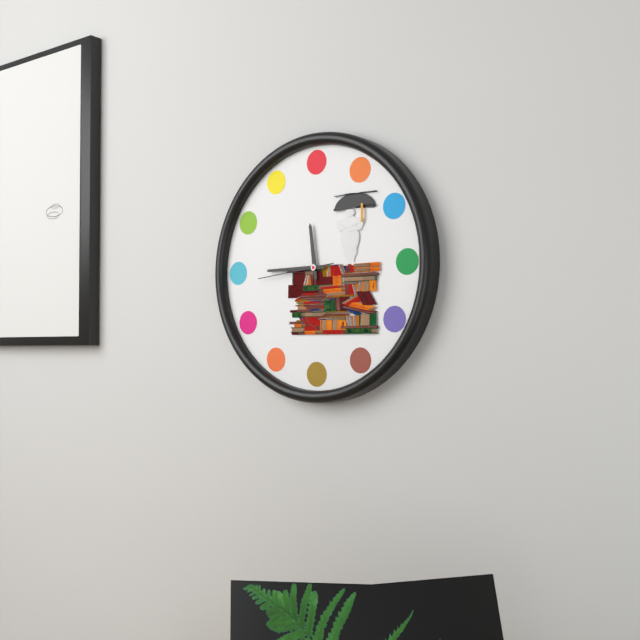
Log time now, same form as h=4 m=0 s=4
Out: h=11 m=45 s=44
